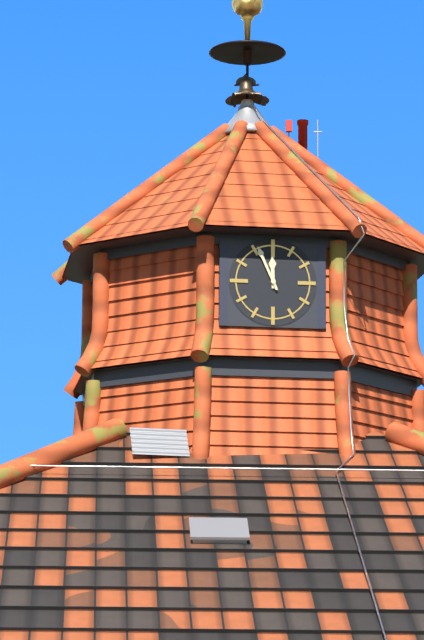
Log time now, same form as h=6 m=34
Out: h=11 m=56
